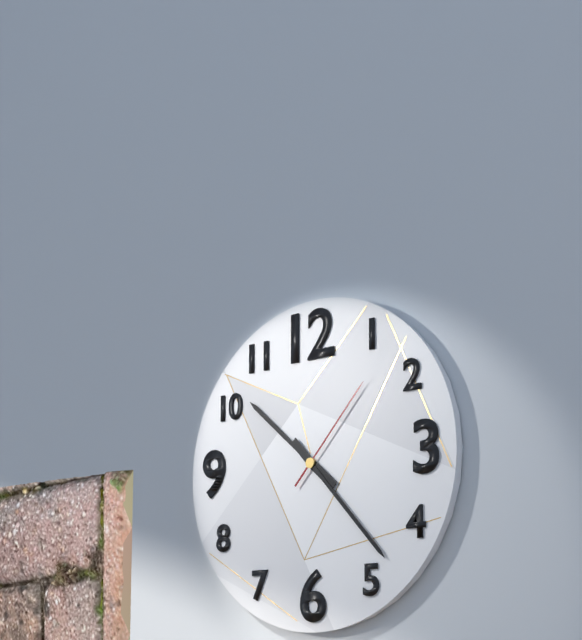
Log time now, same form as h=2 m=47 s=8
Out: h=10 m=23 s=7
